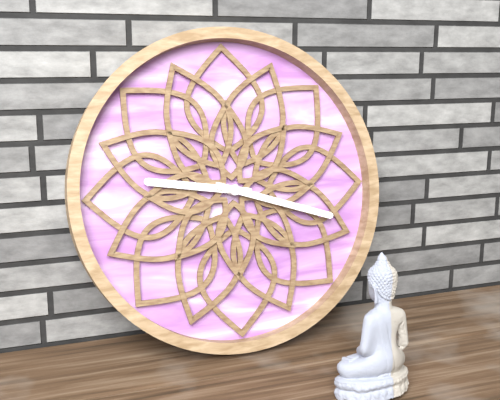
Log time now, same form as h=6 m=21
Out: h=9 m=18
